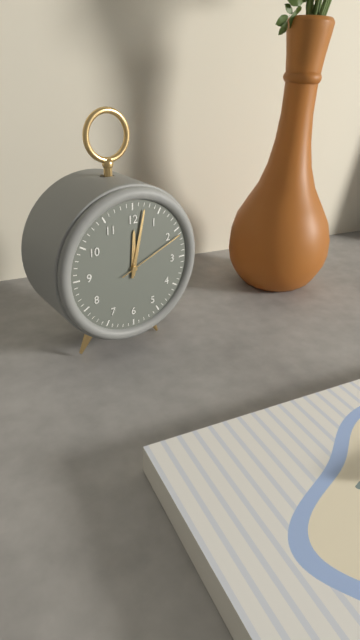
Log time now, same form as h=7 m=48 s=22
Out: h=12 m=2 s=11
